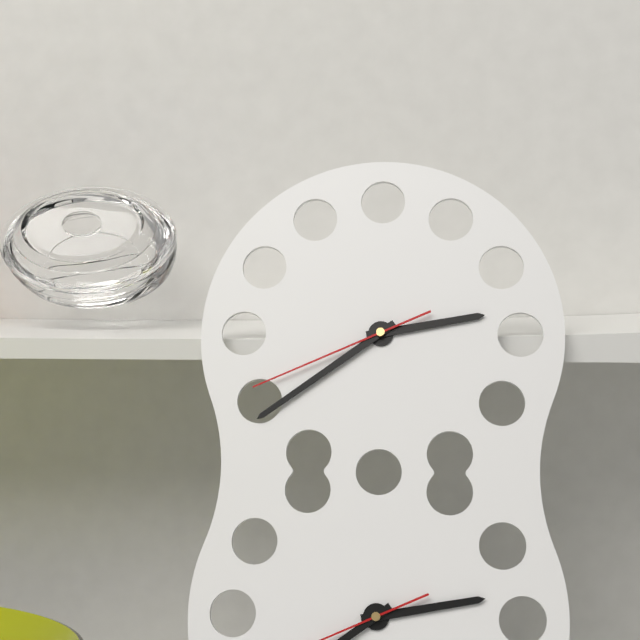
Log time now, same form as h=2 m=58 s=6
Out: h=2 m=39 s=41
